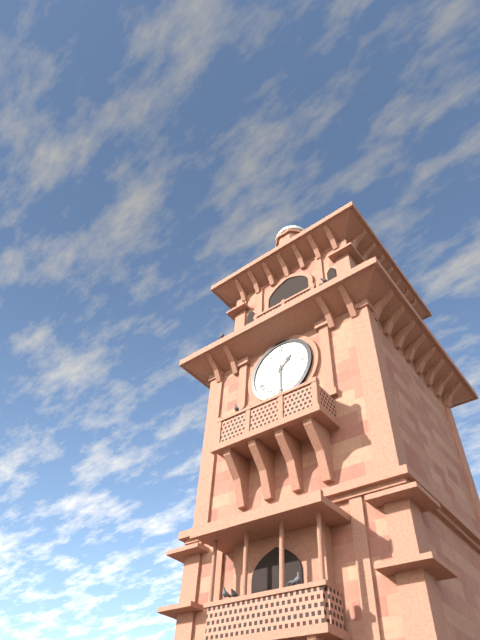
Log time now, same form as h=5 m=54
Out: h=1 m=30
